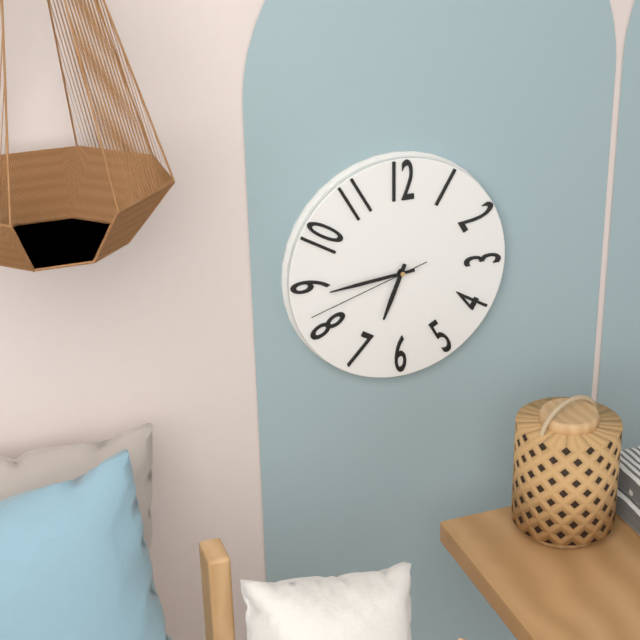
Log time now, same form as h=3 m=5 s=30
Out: h=6 m=44 s=42
